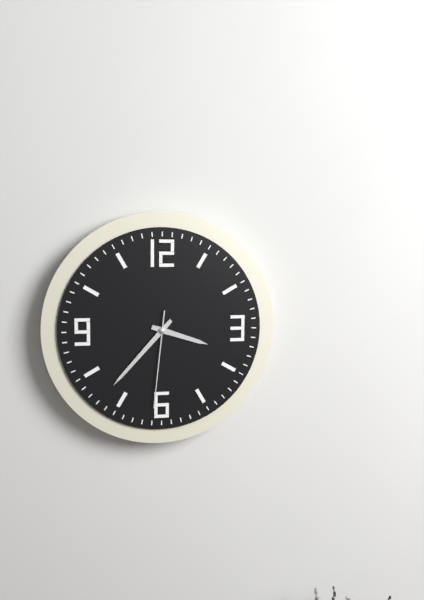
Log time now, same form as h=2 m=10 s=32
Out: h=3 m=37 s=31
